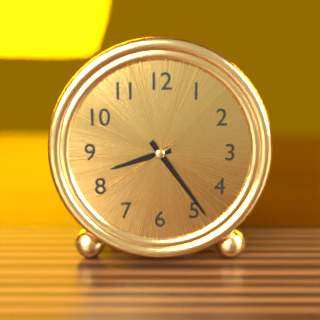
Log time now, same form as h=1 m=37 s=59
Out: h=8 m=24 s=39
